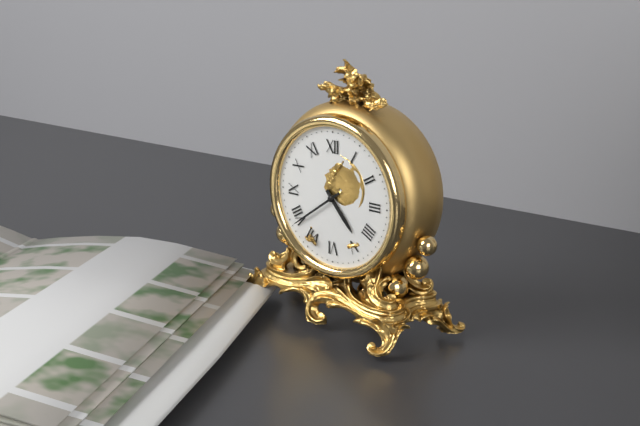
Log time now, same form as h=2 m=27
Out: h=4 m=39
